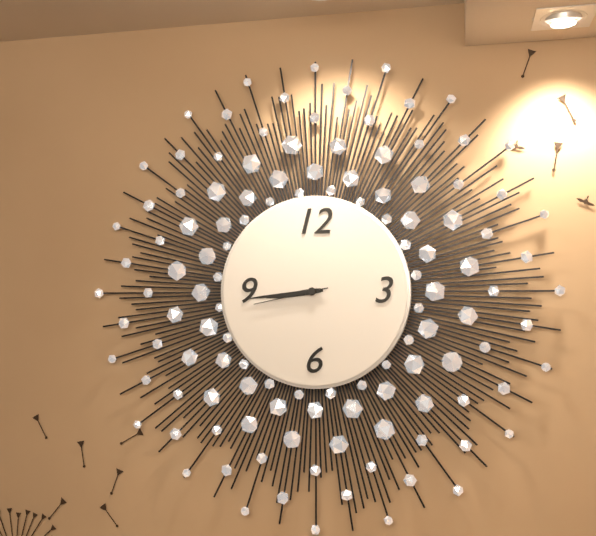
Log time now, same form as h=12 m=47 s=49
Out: h=8 m=44 s=43
